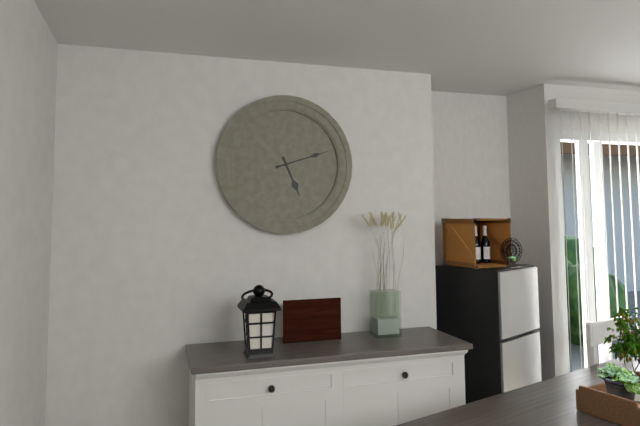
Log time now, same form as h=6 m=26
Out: h=5 m=12
